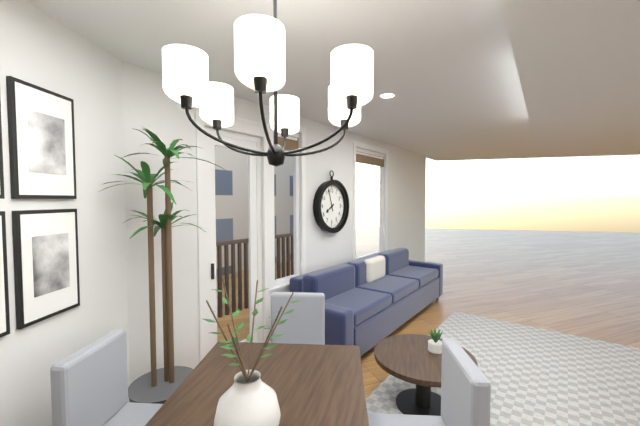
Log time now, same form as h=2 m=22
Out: h=7 m=57
